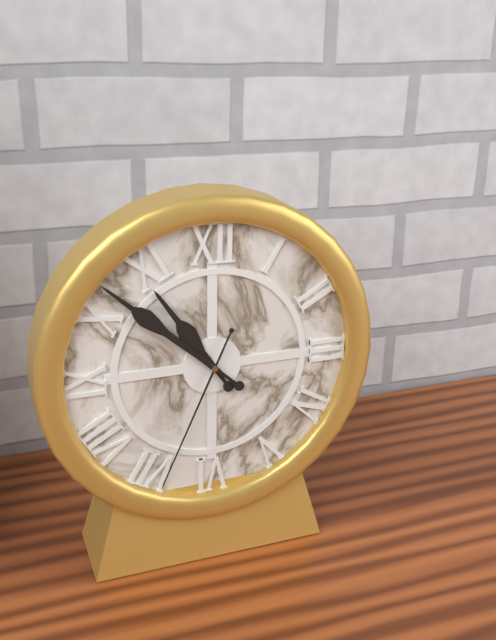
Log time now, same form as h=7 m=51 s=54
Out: h=10 m=52 s=34
